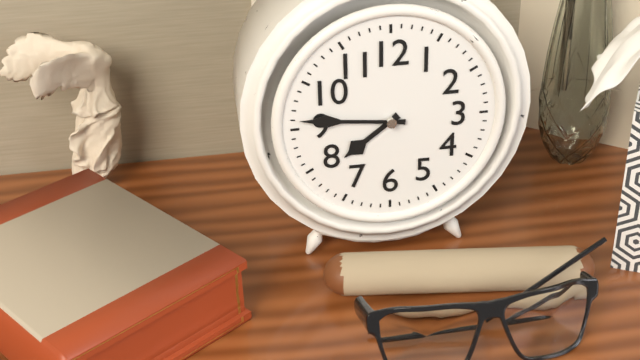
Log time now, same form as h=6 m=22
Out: h=7 m=46
